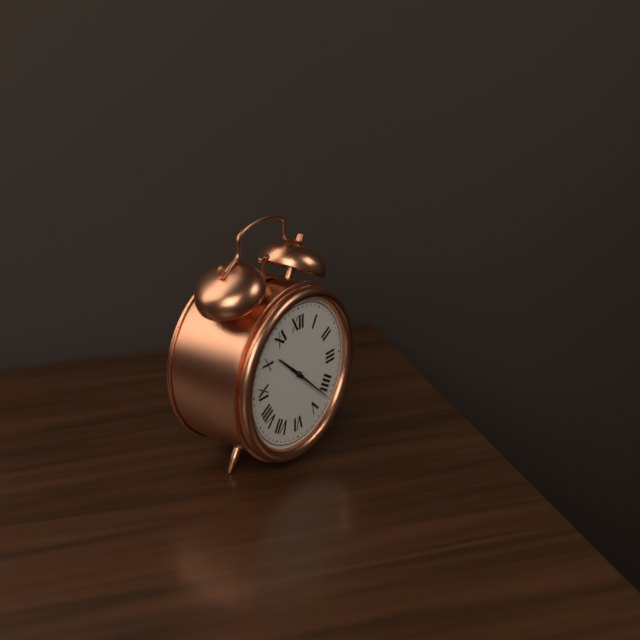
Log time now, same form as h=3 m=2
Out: h=10 m=22
